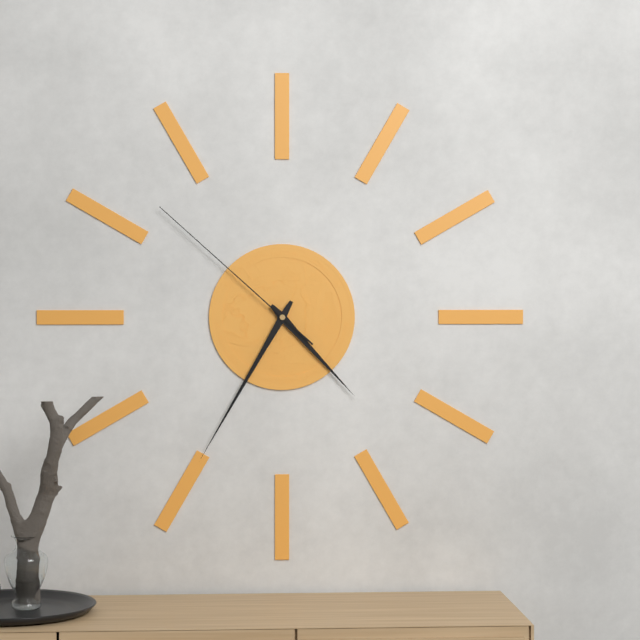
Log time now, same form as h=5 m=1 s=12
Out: h=4 m=35 s=52
